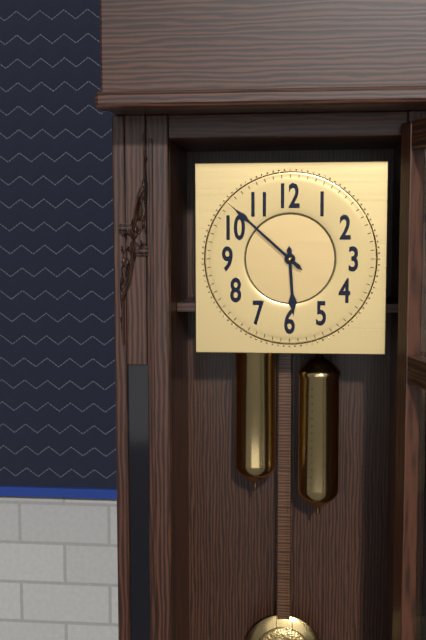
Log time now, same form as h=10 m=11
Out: h=5 m=52
